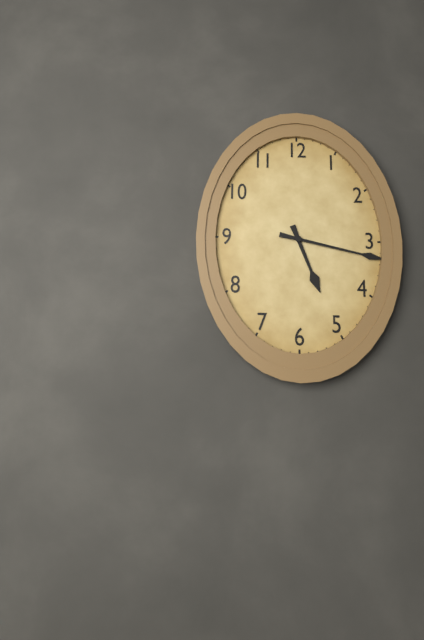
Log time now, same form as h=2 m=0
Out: h=5 m=17
